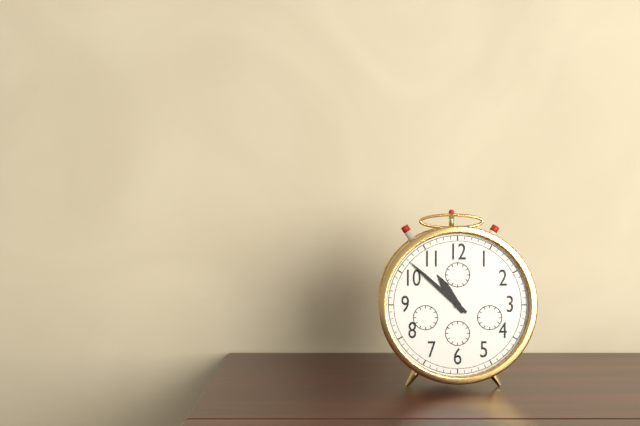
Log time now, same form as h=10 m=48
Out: h=10 m=52
